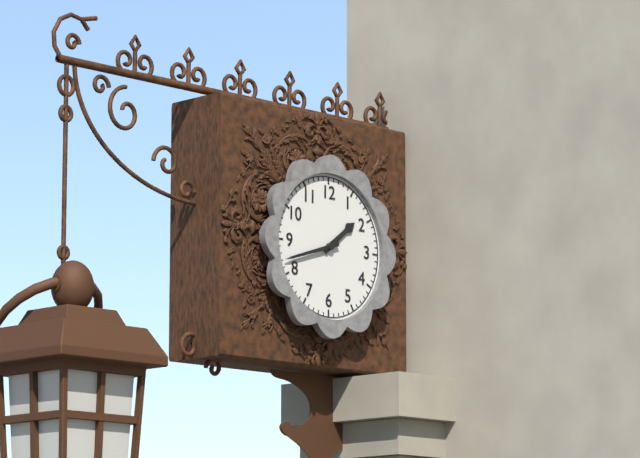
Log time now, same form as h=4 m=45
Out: h=1 m=42
